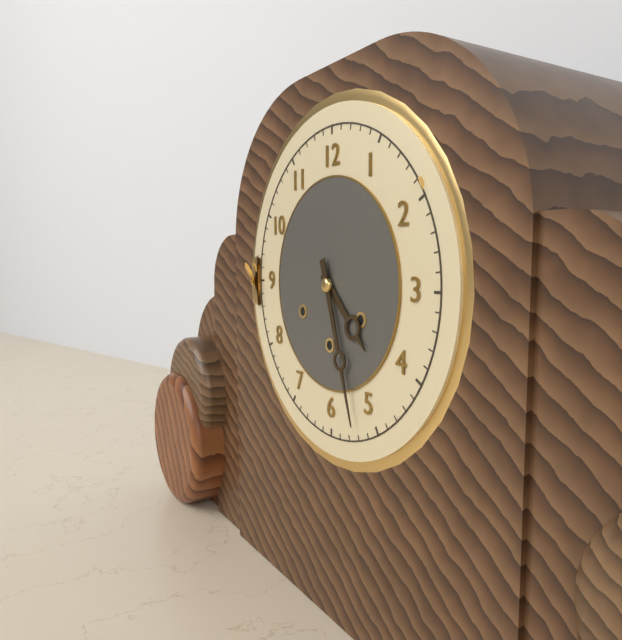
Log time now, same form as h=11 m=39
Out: h=4 m=27
